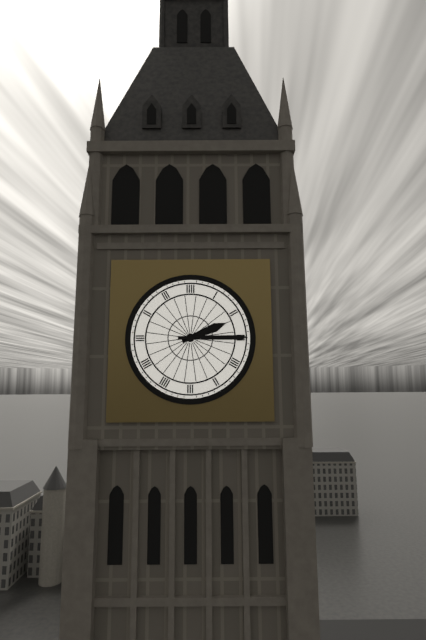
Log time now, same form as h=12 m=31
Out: h=2 m=15
